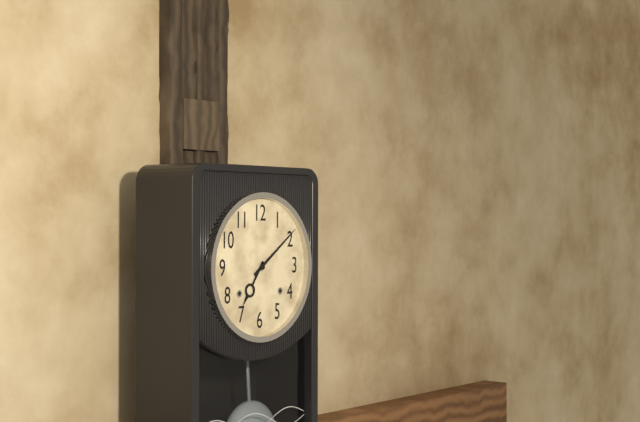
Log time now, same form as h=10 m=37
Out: h=7 m=9
